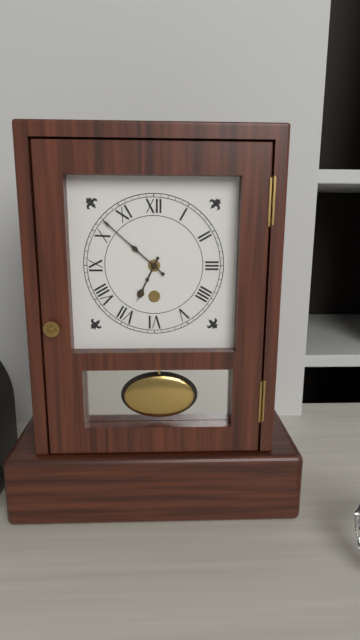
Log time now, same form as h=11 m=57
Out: h=6 m=52
